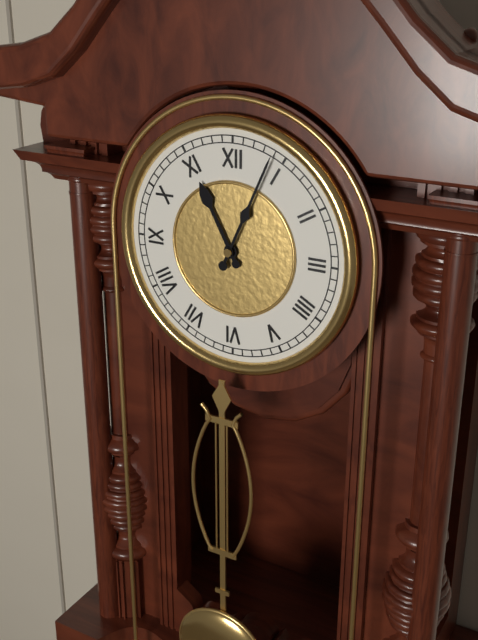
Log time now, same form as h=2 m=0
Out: h=11 m=4
